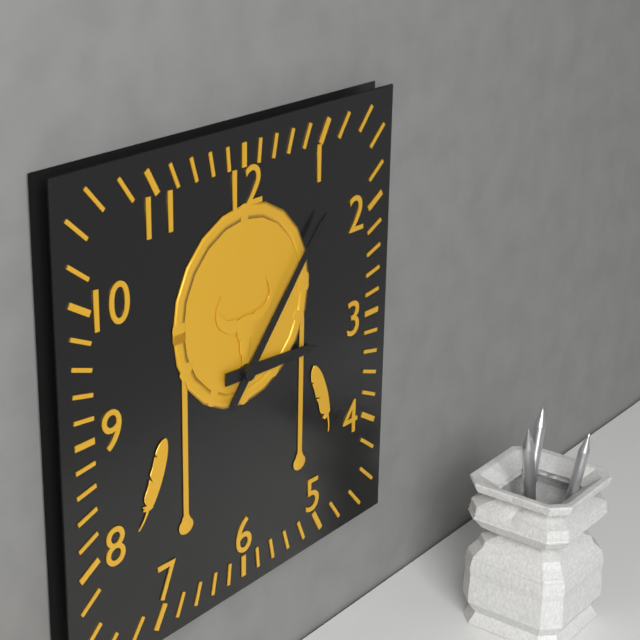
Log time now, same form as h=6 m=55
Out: h=3 m=7
